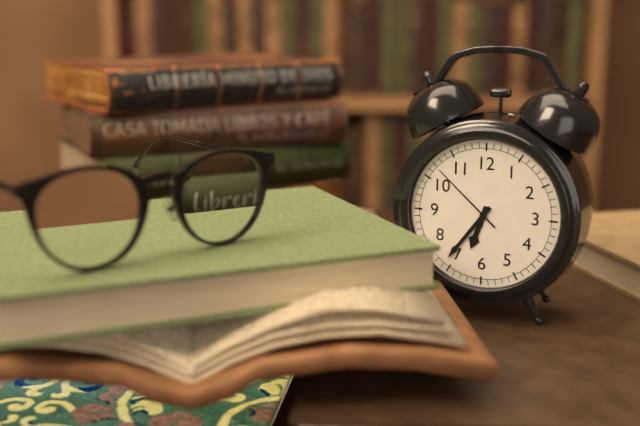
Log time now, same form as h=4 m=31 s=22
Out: h=6 m=36 s=52
